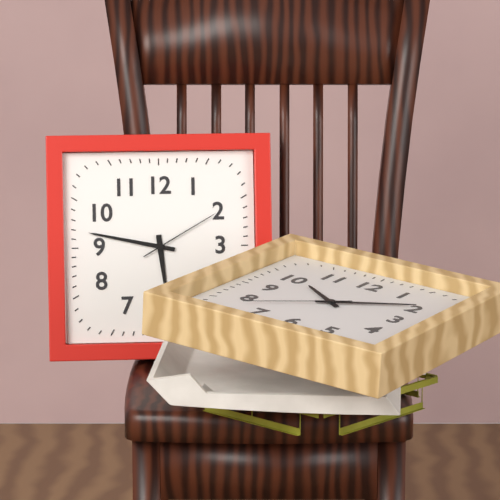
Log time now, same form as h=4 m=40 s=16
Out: h=5 m=47 s=10
